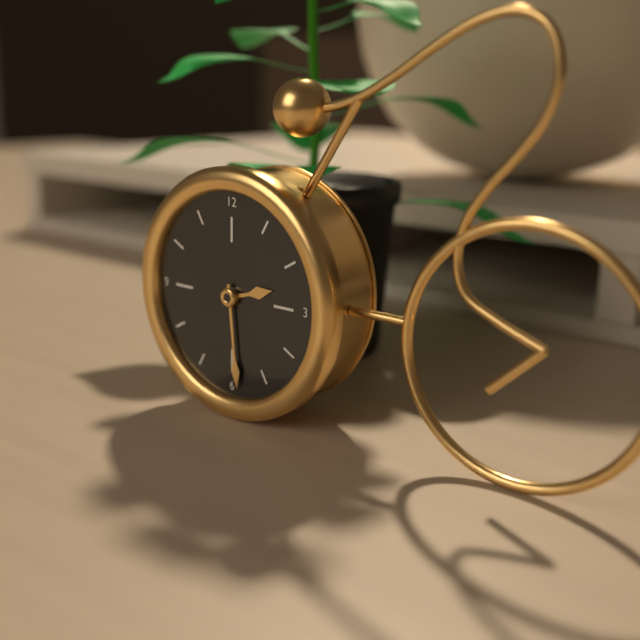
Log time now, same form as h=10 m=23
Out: h=2 m=29
